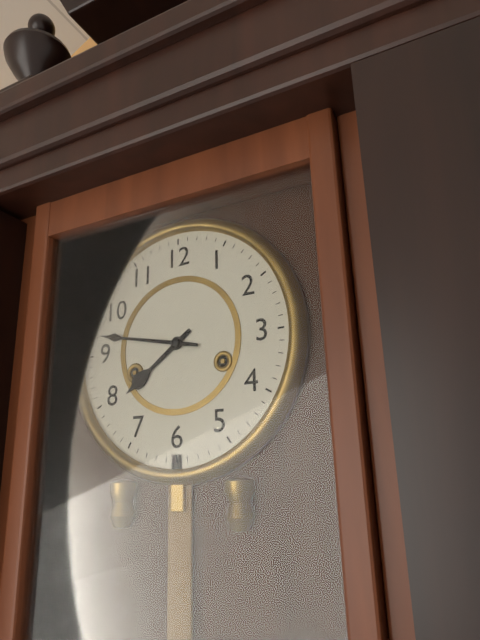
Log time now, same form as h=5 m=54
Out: h=7 m=47
